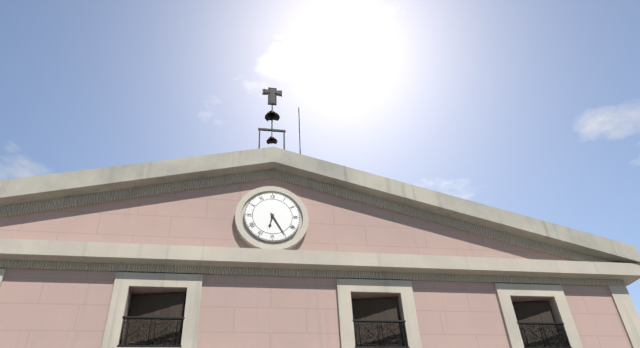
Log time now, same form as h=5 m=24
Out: h=6 m=25
